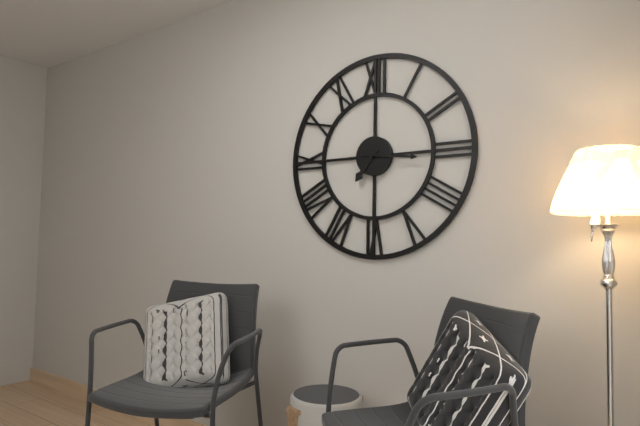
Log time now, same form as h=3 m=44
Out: h=7 m=16
